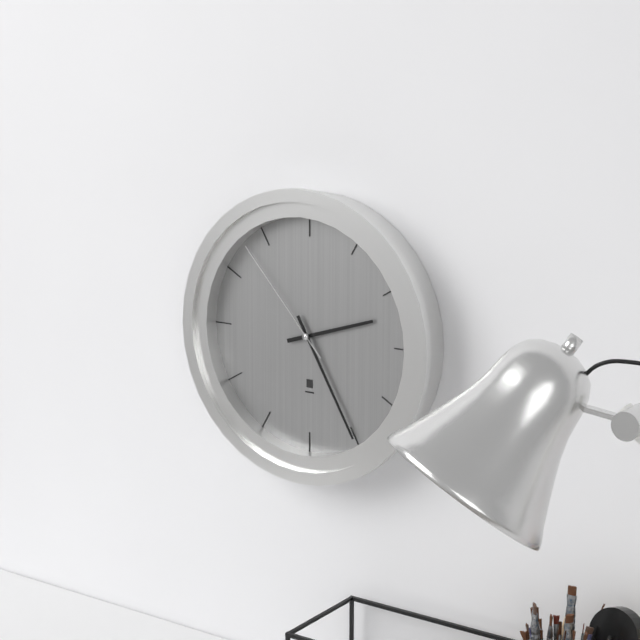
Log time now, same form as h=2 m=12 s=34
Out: h=2 m=25 s=53
